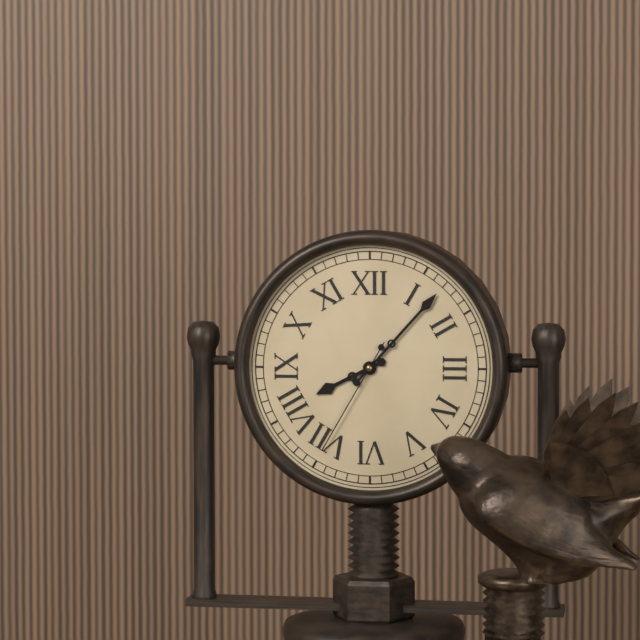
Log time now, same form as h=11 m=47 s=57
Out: h=8 m=7 s=35
